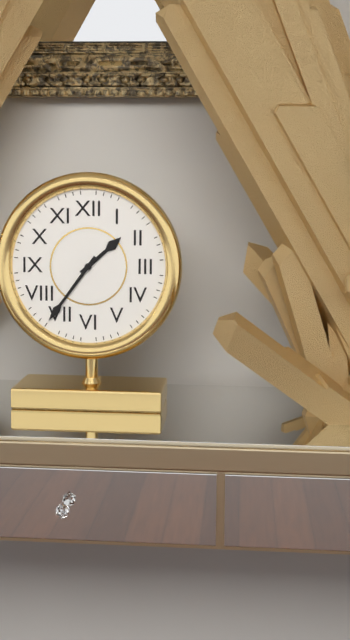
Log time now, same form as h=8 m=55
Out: h=1 m=36
